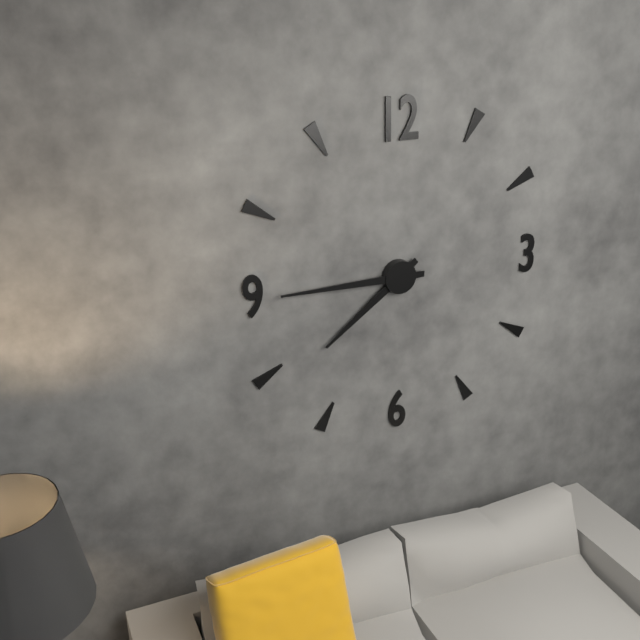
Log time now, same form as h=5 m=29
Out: h=7 m=45
